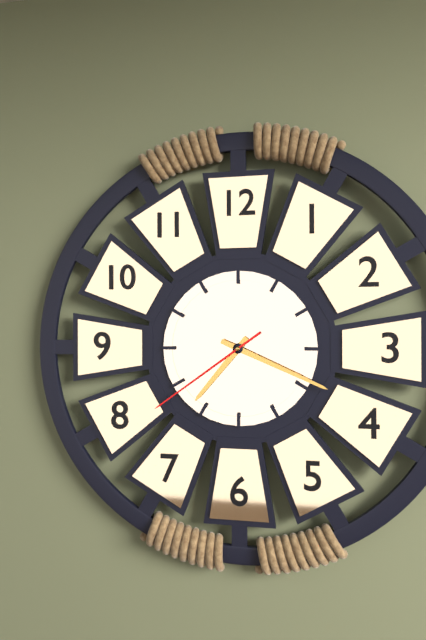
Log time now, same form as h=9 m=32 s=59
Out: h=7 m=19 s=39
